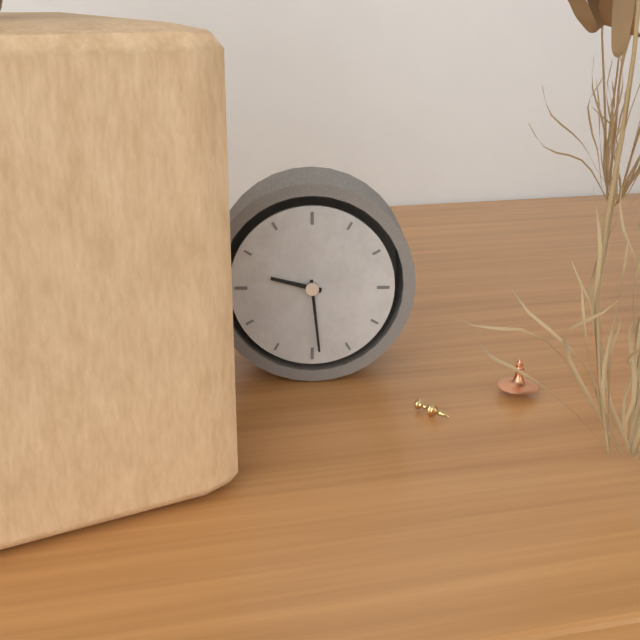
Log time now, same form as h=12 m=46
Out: h=9 m=29
